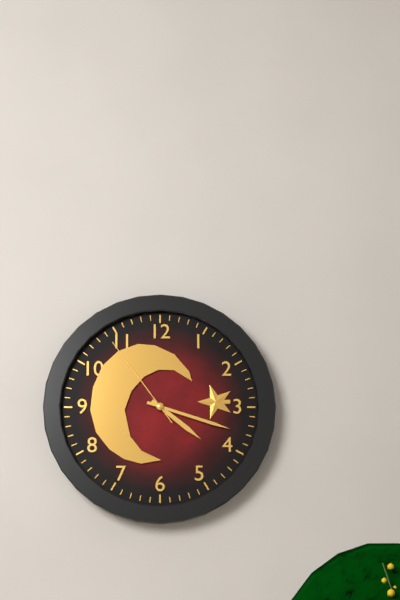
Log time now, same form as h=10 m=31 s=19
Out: h=4 m=18 s=54
